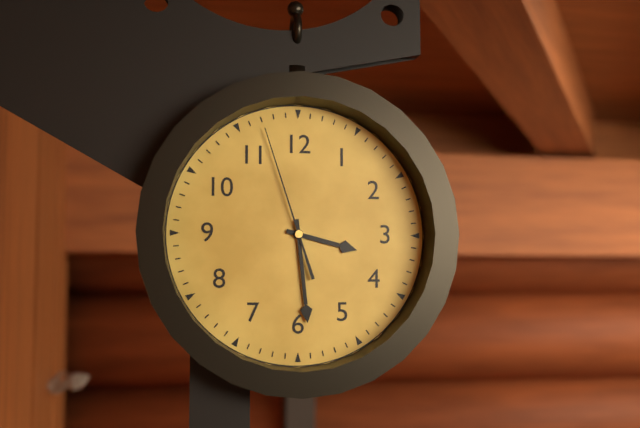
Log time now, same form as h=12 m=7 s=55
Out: h=3 m=29 s=57
